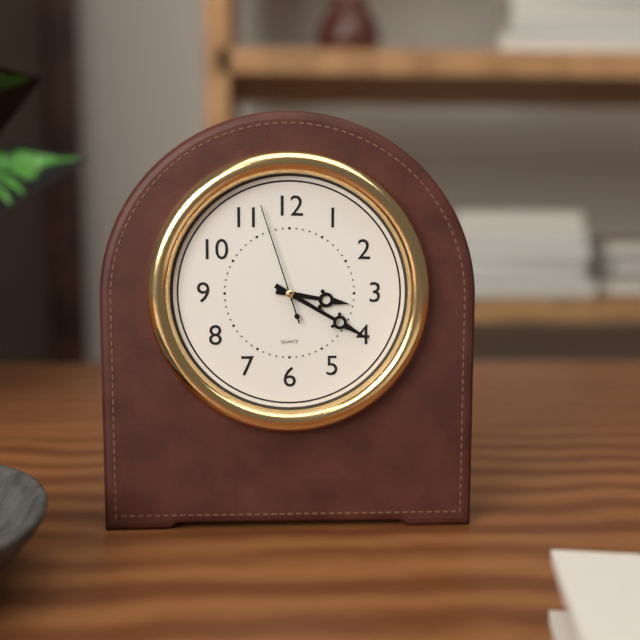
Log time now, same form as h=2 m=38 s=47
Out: h=3 m=20 s=57
